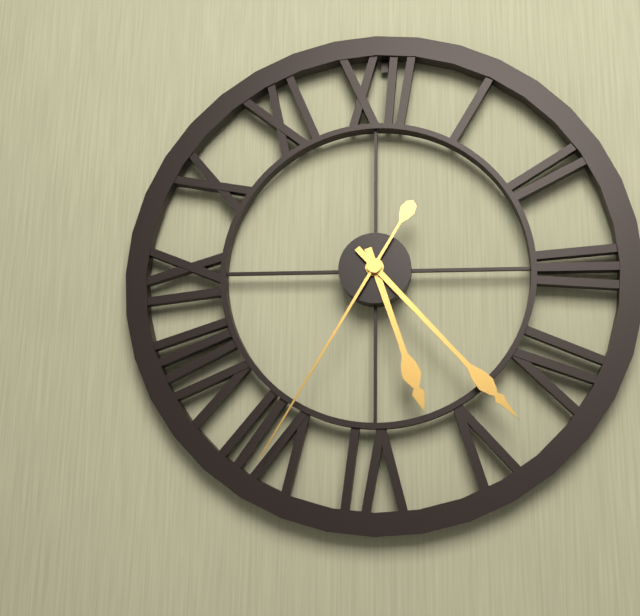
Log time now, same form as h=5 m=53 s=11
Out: h=5 m=23 s=35
